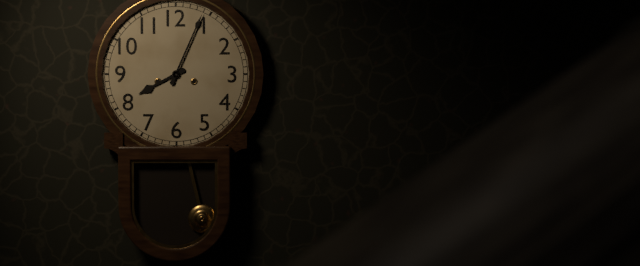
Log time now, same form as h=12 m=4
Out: h=8 m=4
